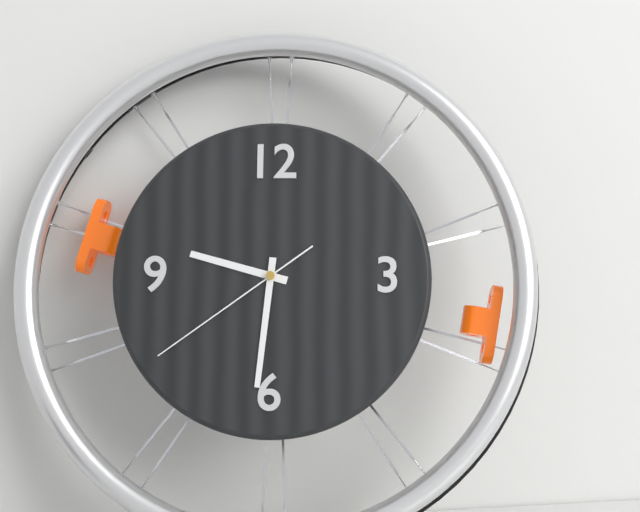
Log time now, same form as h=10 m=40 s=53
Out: h=9 m=31 s=39
